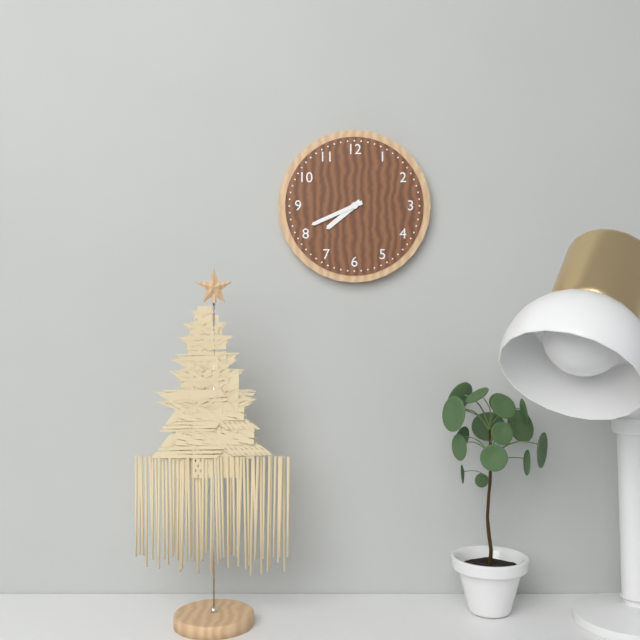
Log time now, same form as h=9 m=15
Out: h=7 m=41
